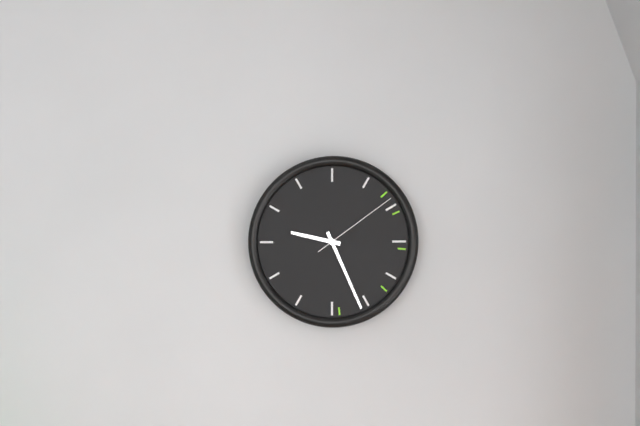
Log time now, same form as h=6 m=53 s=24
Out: h=9 m=26 s=9
